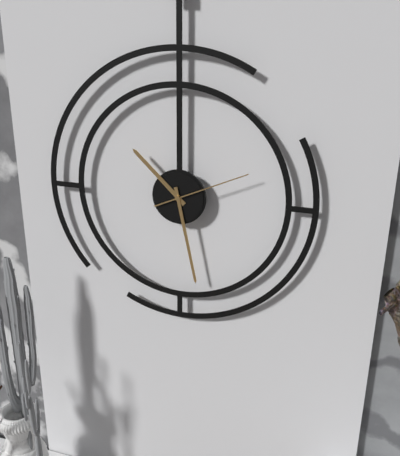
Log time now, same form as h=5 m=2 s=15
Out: h=10 m=28 s=11
